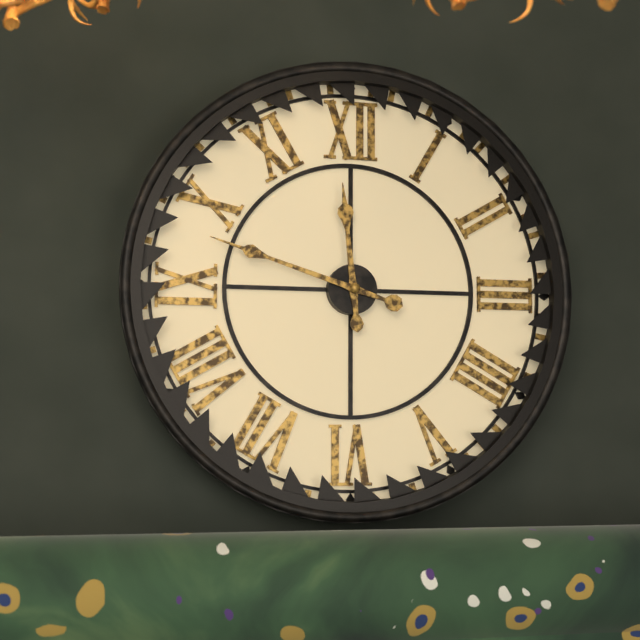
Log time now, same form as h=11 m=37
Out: h=11 m=48
